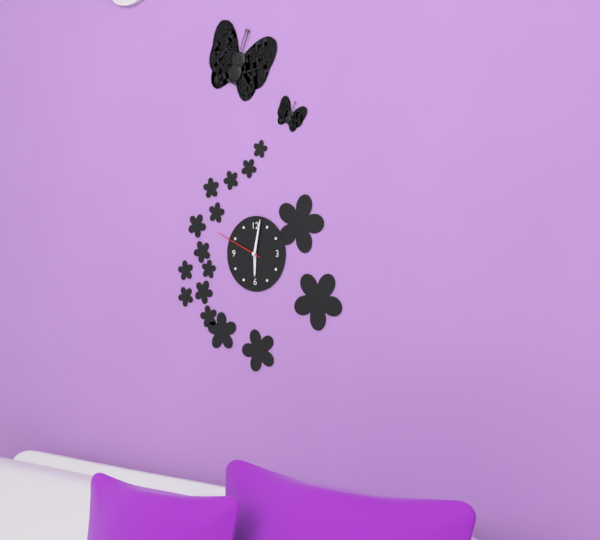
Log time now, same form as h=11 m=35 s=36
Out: h=6 m=2 s=49
